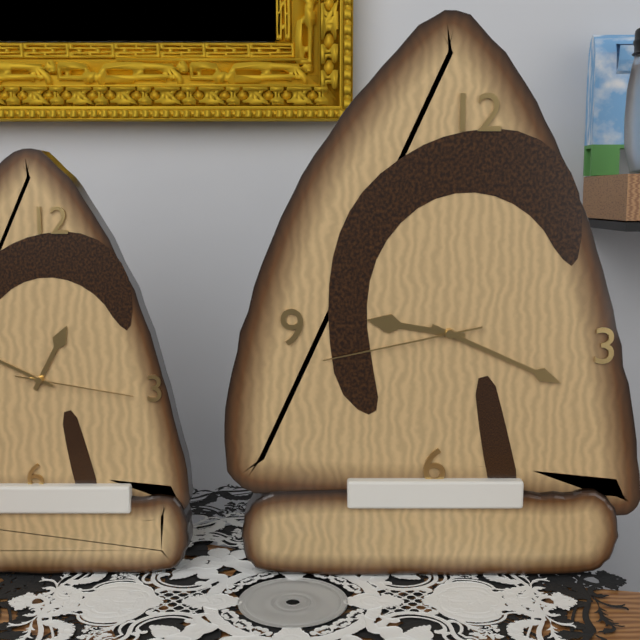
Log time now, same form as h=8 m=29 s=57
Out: h=9 m=19 s=43
